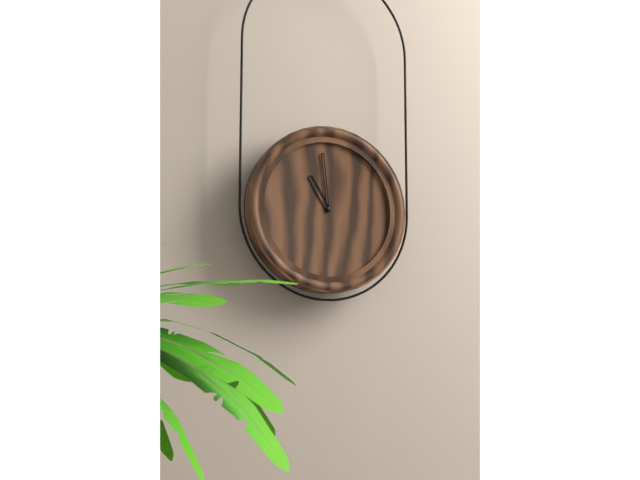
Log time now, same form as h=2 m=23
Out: h=10 m=59
